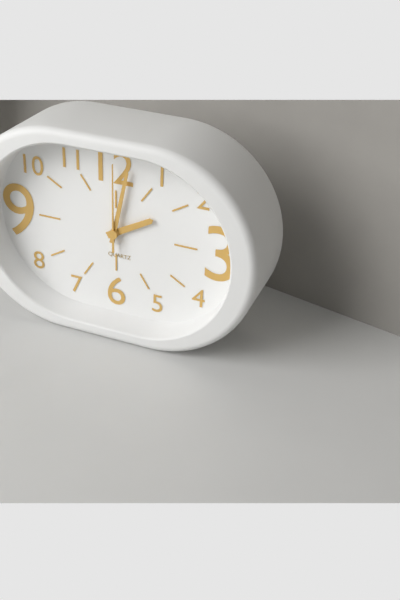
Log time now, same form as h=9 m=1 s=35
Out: h=2 m=2 s=0
